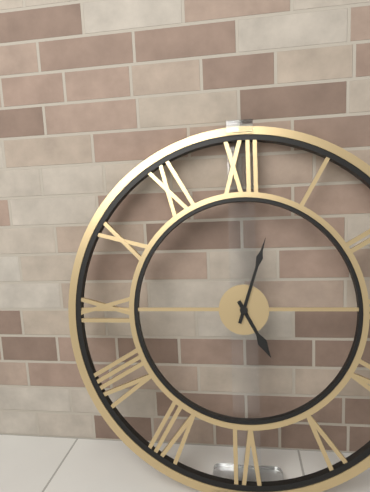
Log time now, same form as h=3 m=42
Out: h=5 m=3
